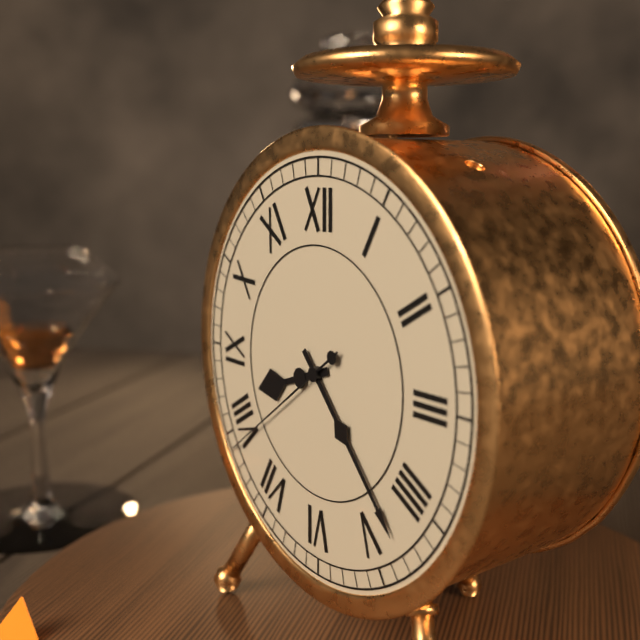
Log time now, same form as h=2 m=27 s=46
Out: h=8 m=23 s=39
